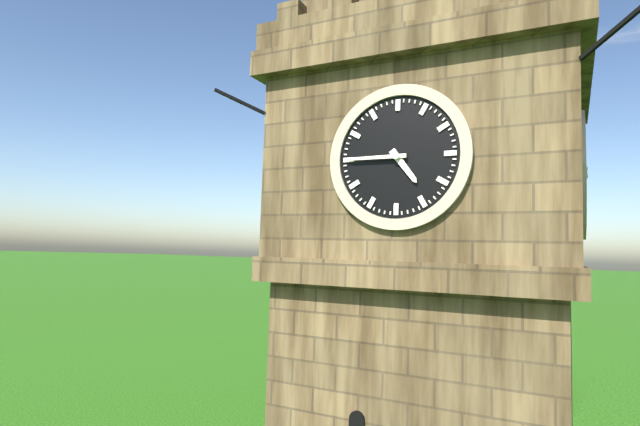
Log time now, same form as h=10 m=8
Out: h=4 m=45
